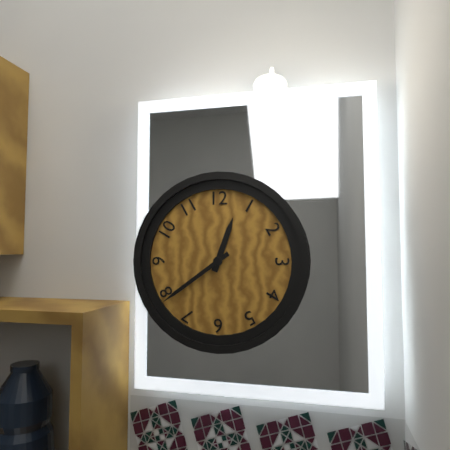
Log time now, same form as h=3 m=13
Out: h=12 m=39
